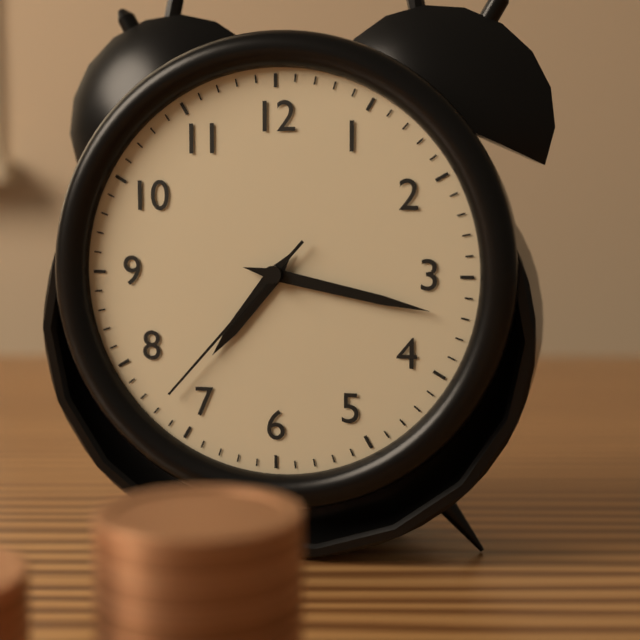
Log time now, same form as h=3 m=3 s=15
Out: h=7 m=17 s=37
